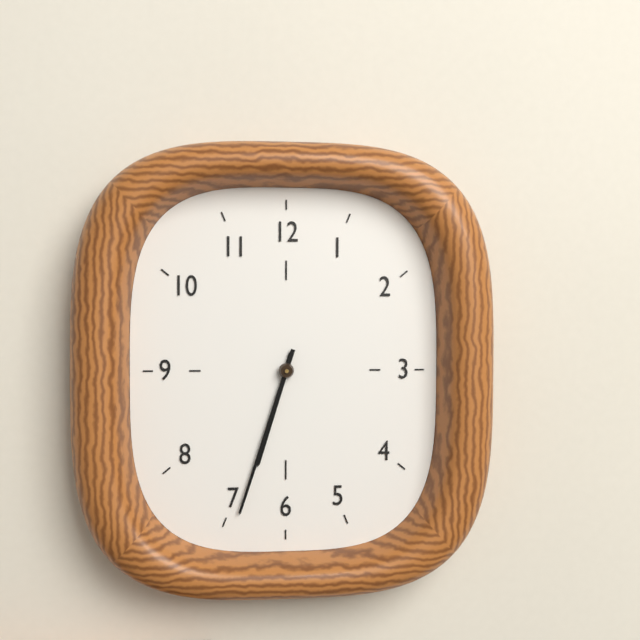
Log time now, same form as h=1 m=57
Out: h=6 m=33
